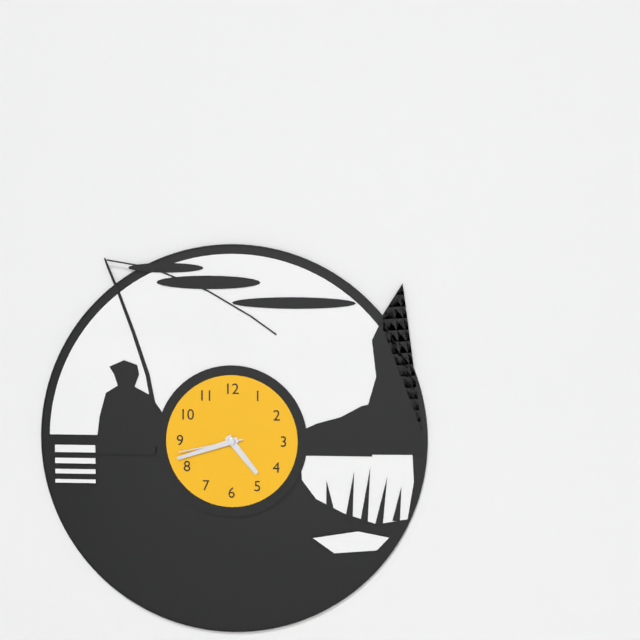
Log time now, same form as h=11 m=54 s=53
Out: h=4 m=42 s=43
